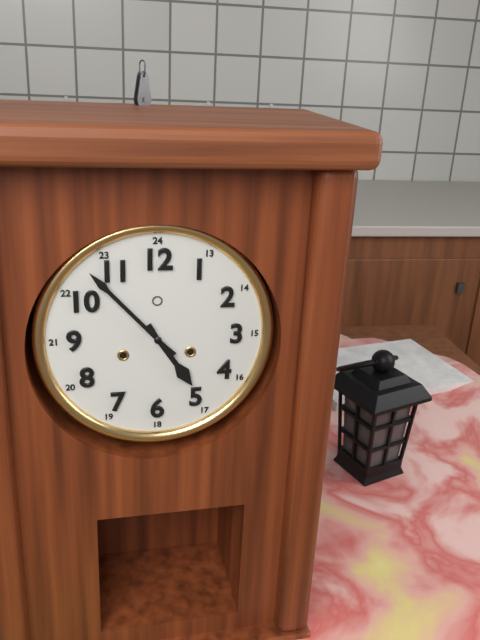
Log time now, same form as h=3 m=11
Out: h=4 m=53
